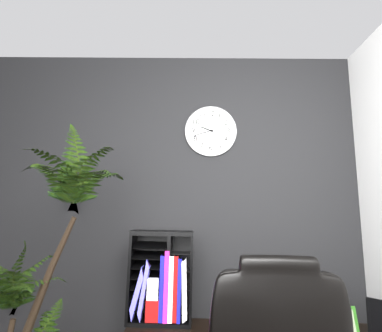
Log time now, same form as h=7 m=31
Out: h=9 m=42
